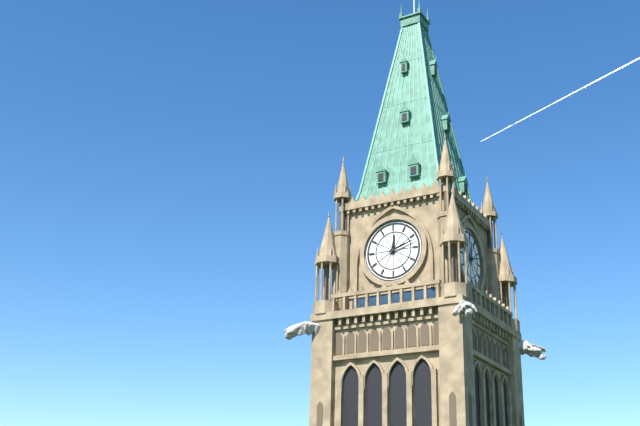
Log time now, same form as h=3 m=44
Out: h=12 m=12
